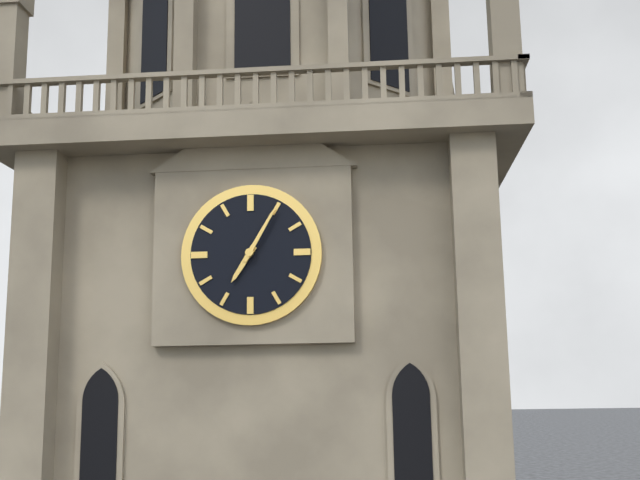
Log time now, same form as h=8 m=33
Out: h=7 m=5
